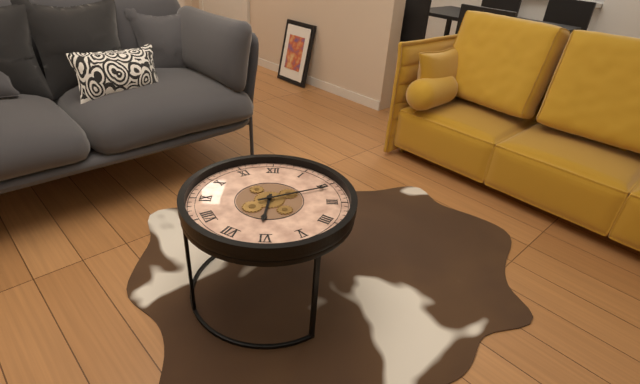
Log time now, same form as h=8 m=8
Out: h=6 m=11
